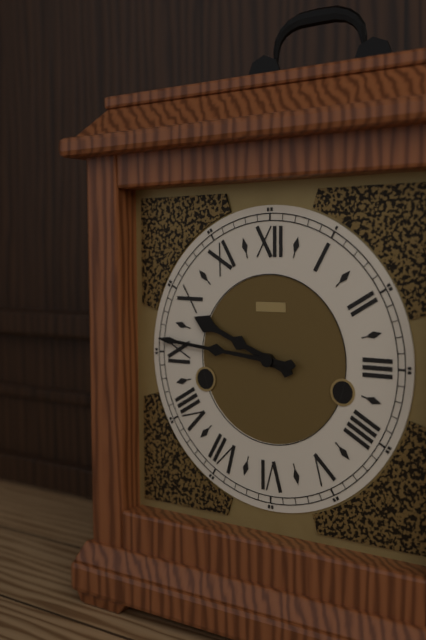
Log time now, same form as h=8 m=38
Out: h=9 m=46
